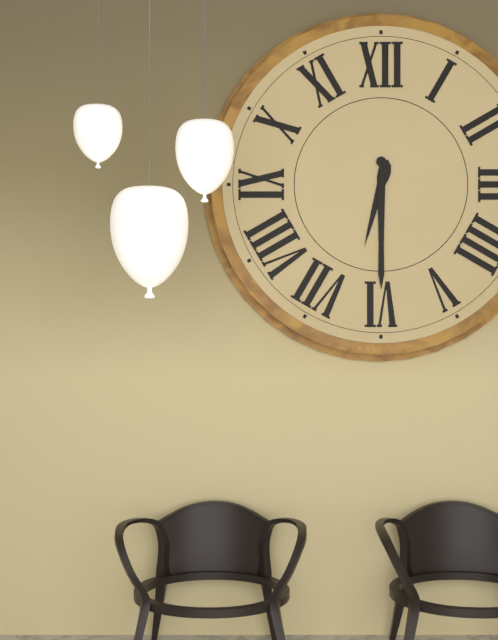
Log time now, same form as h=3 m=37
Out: h=6 m=30
